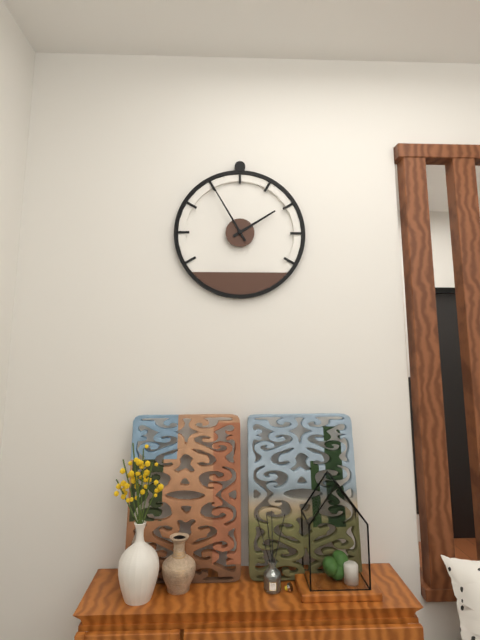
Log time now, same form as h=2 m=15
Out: h=1 m=55
